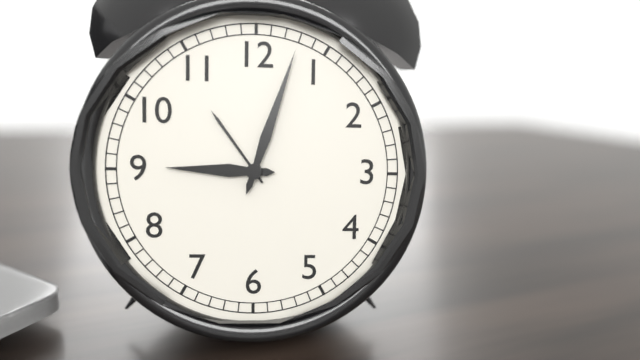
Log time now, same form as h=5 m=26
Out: h=9 m=3
